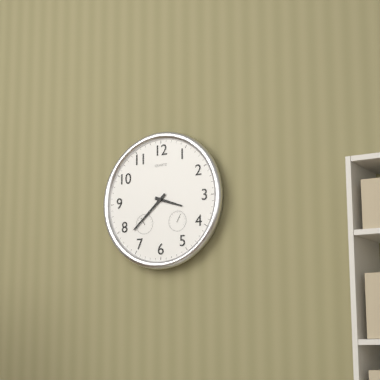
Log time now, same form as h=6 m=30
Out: h=3 m=38
